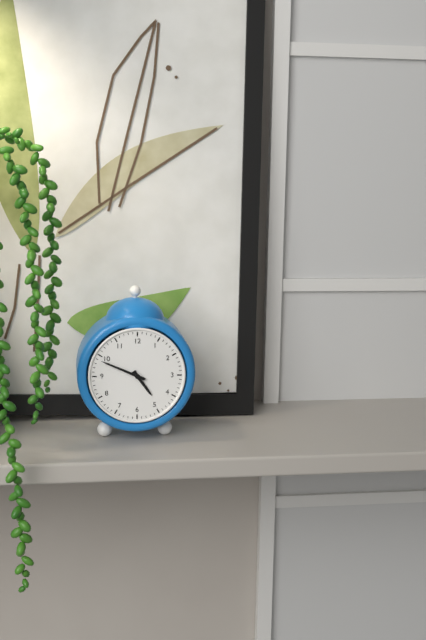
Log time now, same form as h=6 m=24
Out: h=4 m=49
